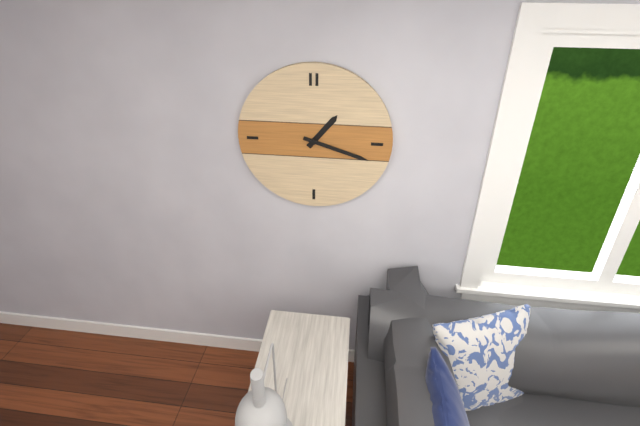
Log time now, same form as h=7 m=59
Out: h=1 m=18
